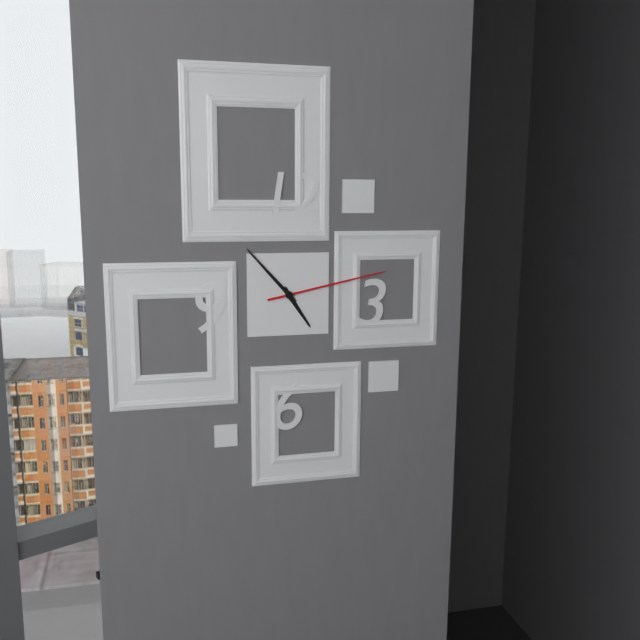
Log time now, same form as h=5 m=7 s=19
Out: h=4 m=53 s=13
